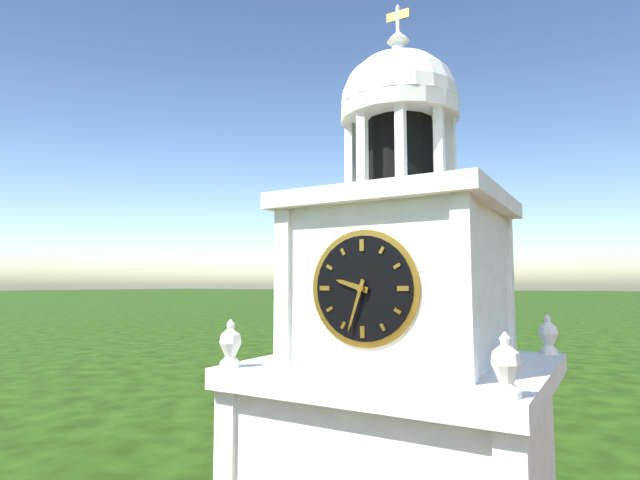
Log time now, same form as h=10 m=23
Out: h=9 m=33
